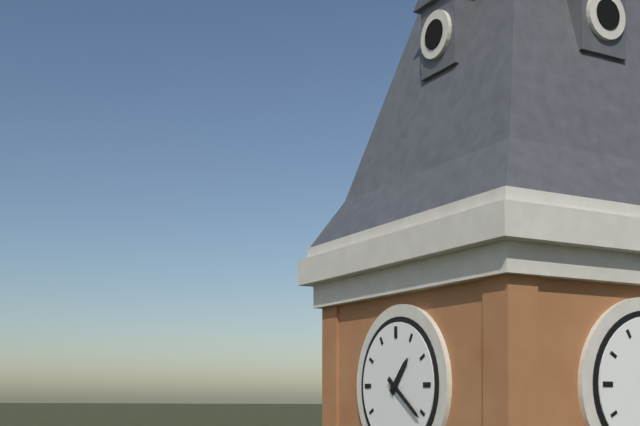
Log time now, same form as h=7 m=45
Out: h=1 m=21
